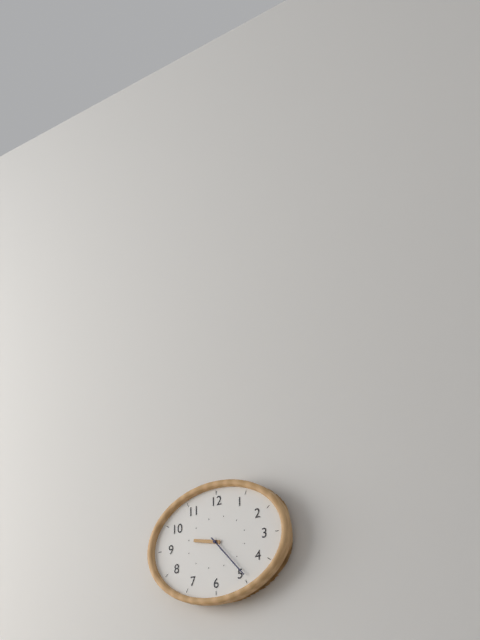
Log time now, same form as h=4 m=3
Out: h=9 m=23
